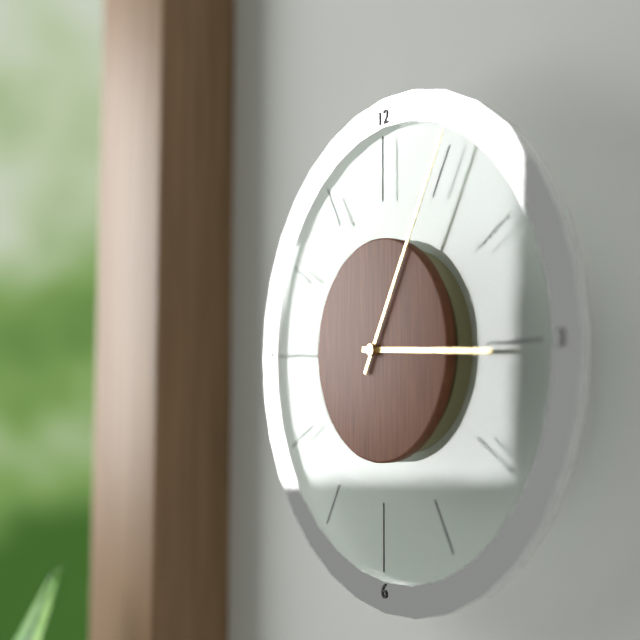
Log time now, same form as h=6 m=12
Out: h=3 m=5
